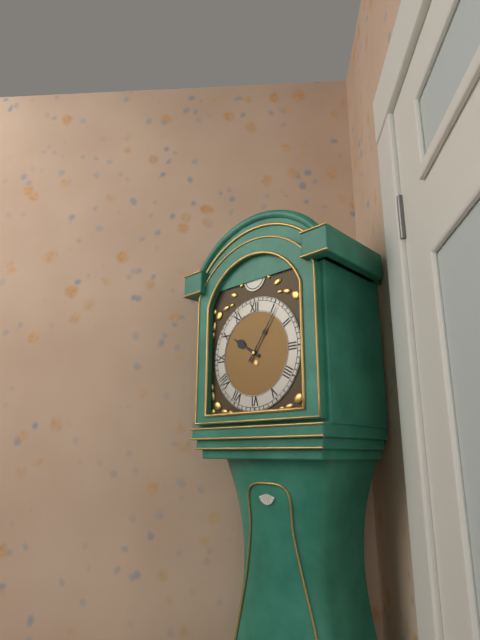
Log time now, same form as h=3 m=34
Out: h=10 m=6
